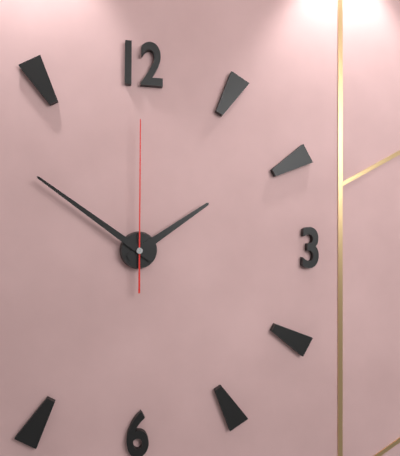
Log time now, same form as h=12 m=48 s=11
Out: h=1 m=51 s=0
